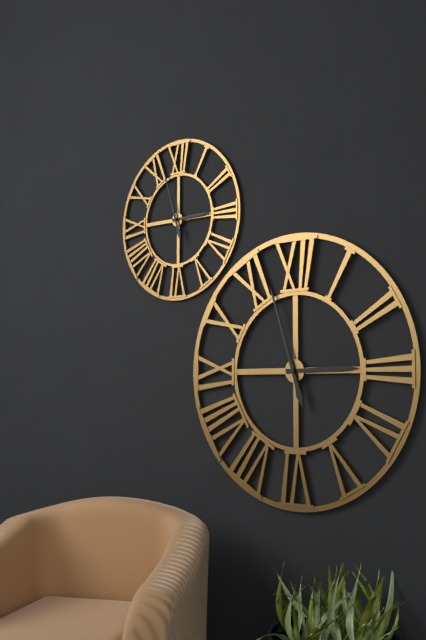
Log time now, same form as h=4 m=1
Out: h=2 m=57
